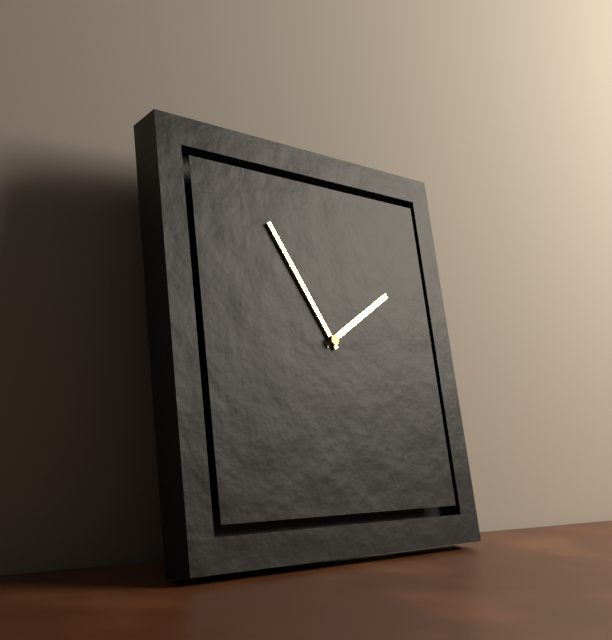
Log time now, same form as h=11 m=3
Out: h=1 m=55
